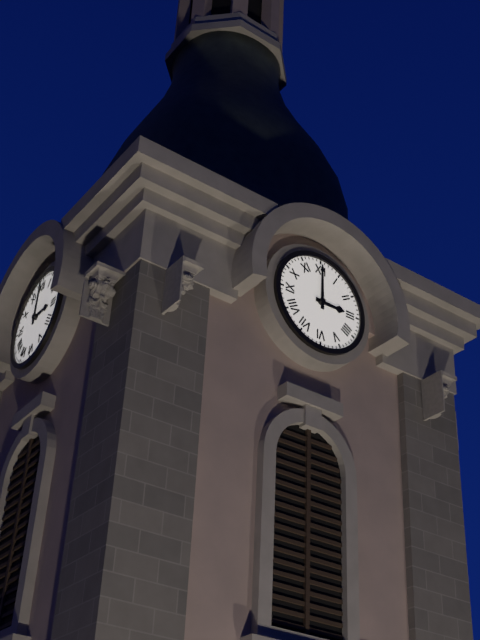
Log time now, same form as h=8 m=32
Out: h=3 m=0
